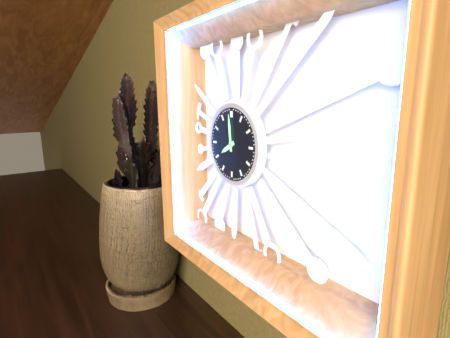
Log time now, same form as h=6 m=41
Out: h=7 m=59
